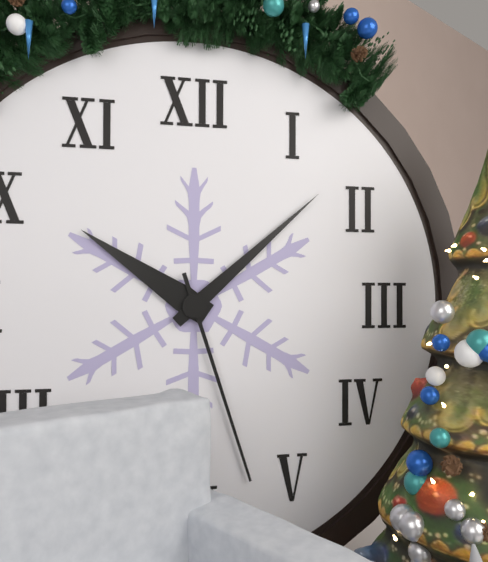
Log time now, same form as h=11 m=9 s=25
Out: h=10 m=8 s=27
